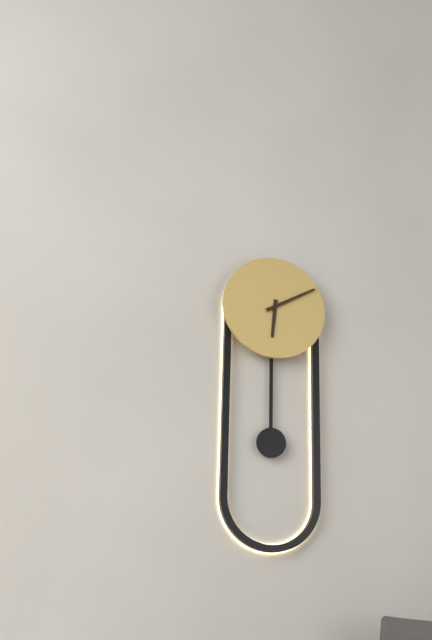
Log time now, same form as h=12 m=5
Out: h=6 m=10
